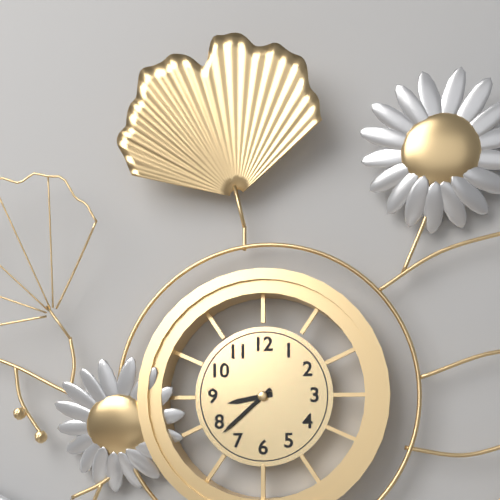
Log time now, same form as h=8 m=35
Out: h=8 m=38
